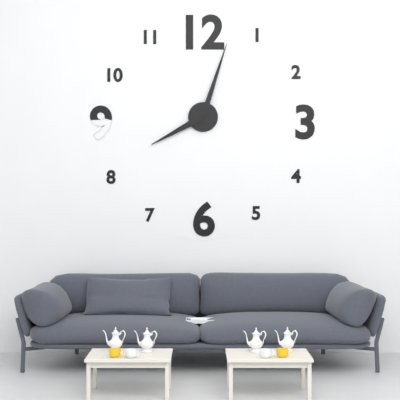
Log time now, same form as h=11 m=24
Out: h=8 m=3
